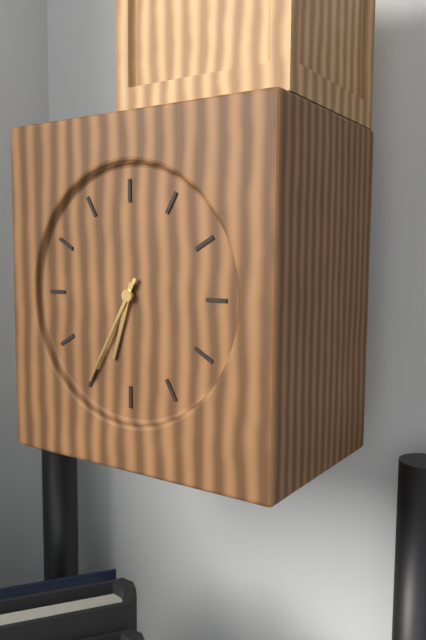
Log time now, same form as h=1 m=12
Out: h=6 m=35
